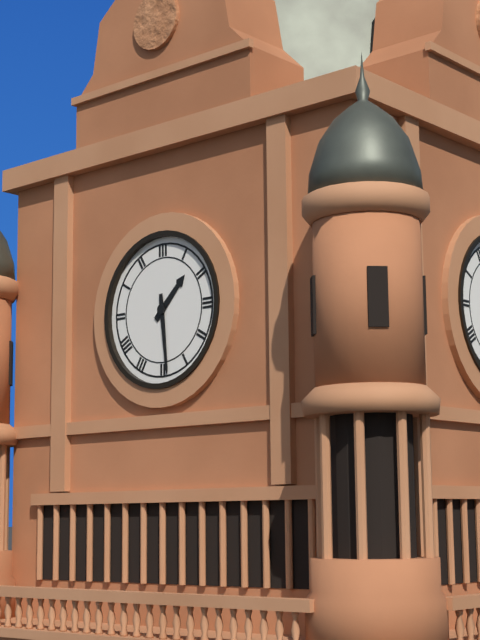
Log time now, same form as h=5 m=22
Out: h=1 m=29
